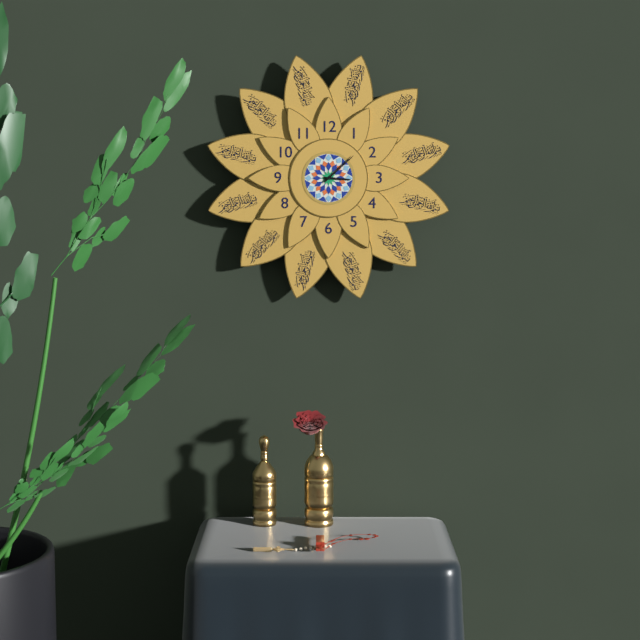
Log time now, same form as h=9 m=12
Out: h=3 m=8
